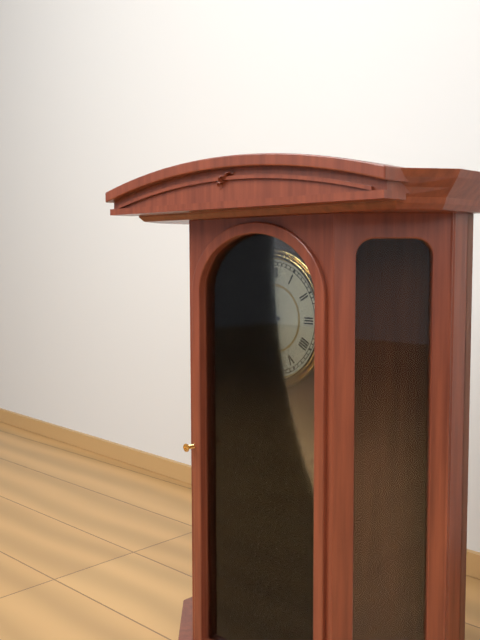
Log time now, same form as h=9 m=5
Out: h=8 m=57
